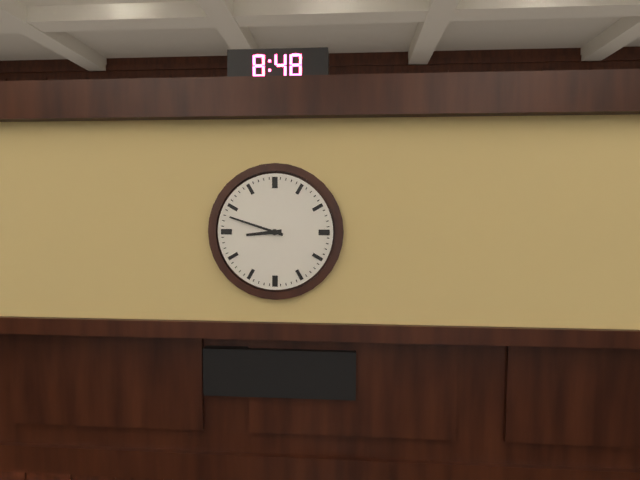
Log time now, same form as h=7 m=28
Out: h=8 m=48
